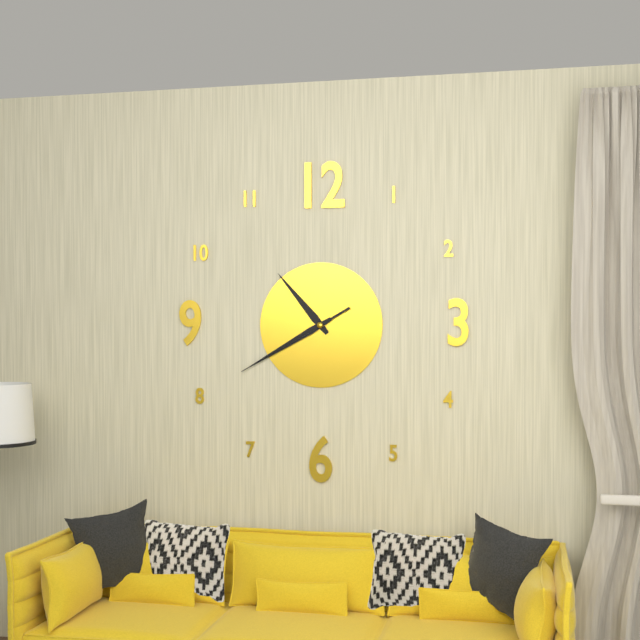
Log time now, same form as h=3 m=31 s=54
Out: h=10 m=40 s=40
